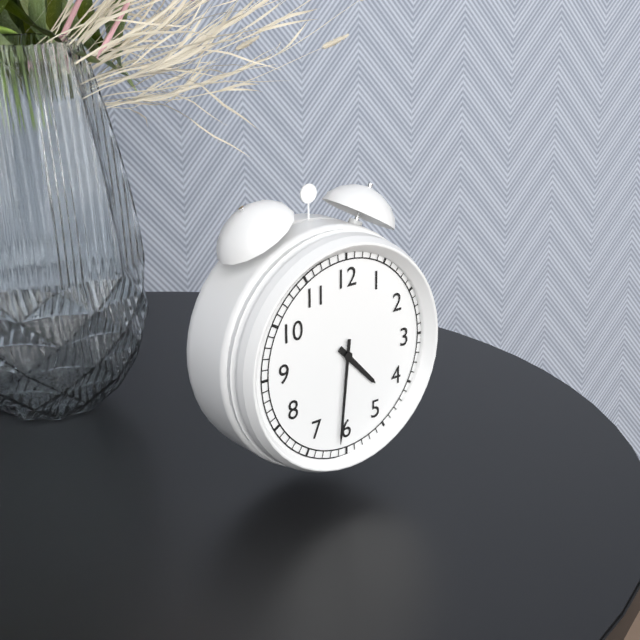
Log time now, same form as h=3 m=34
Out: h=4 m=31
